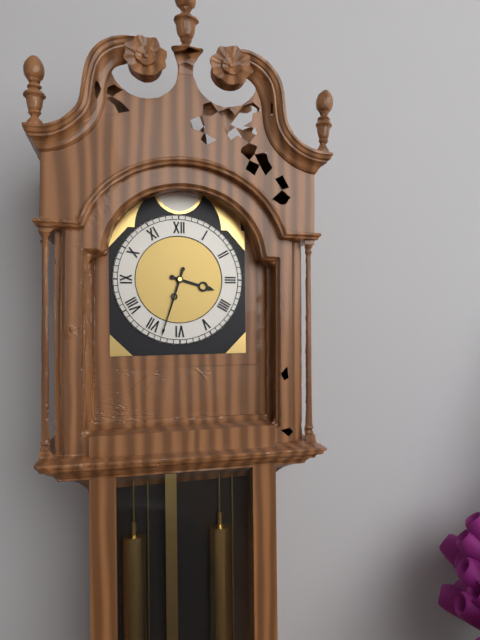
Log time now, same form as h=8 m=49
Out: h=3 m=33
